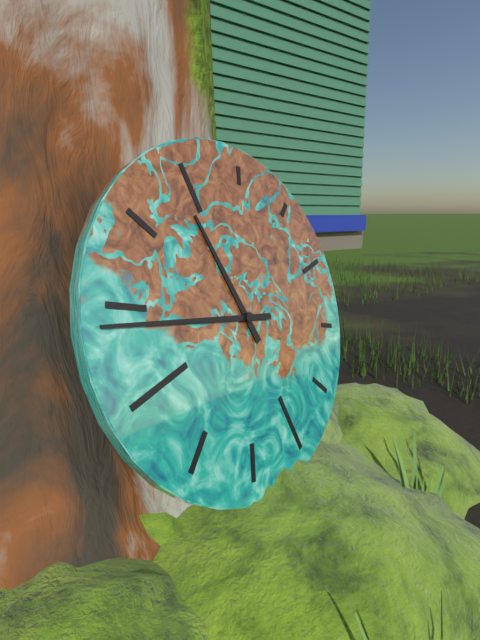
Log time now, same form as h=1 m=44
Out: h=11 m=49
